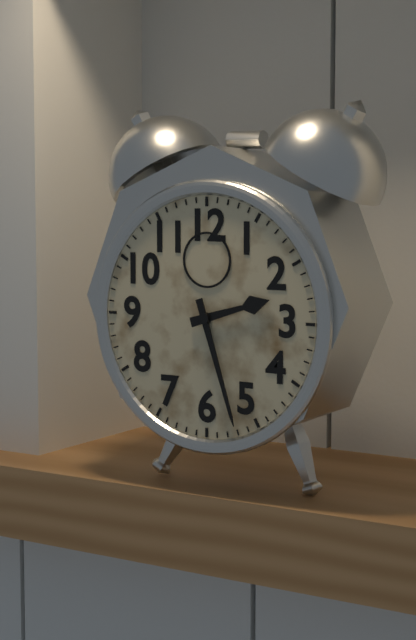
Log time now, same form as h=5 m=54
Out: h=2 m=27
